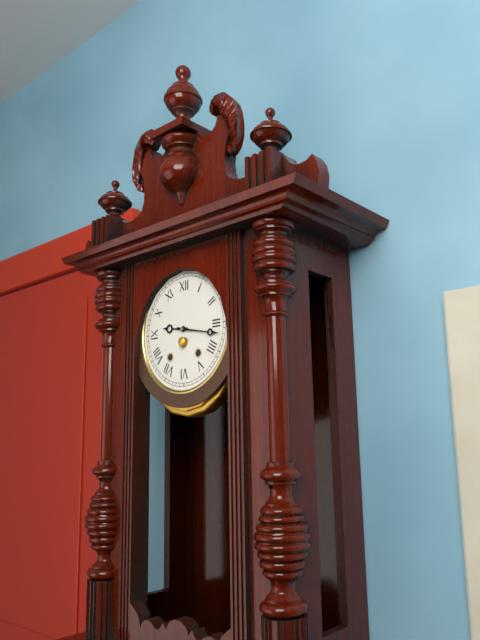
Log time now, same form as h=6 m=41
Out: h=9 m=17
